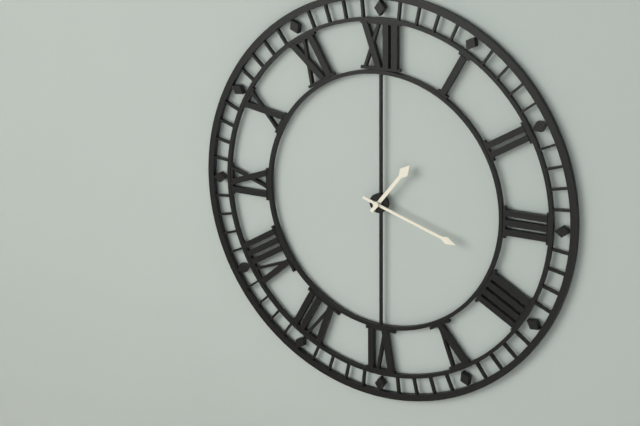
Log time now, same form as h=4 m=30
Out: h=1 m=18
